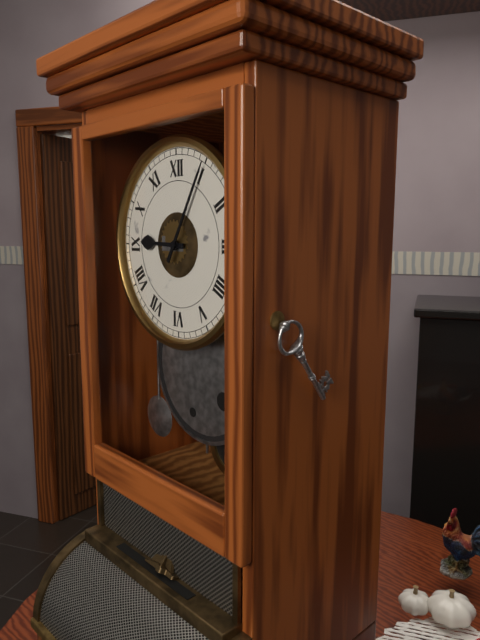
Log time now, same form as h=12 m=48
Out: h=9 m=5
